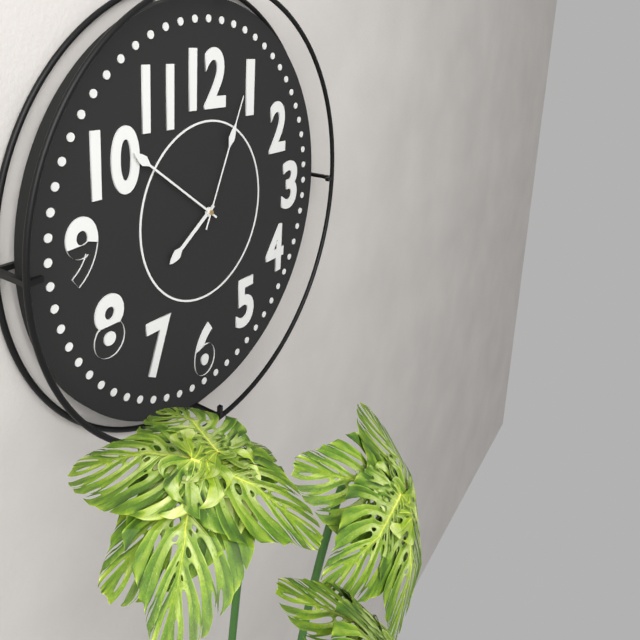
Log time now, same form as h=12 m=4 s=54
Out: h=7 m=51 s=4
